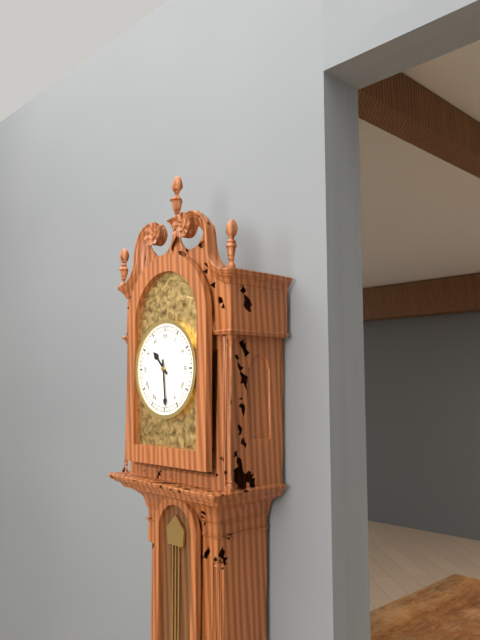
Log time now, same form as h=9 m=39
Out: h=10 m=29
